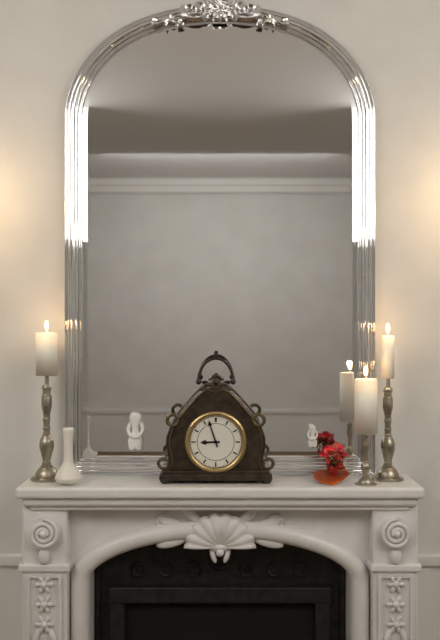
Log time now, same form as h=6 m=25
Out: h=8 m=57
